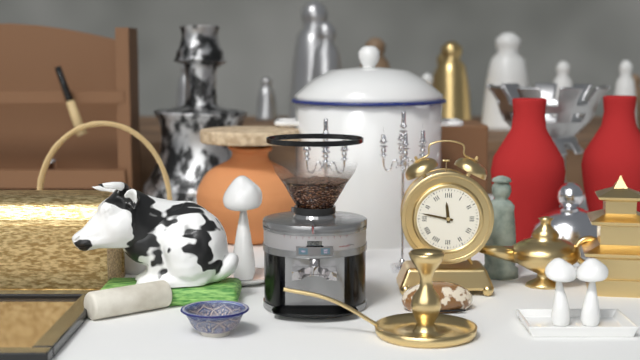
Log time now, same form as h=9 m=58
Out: h=11 m=47
